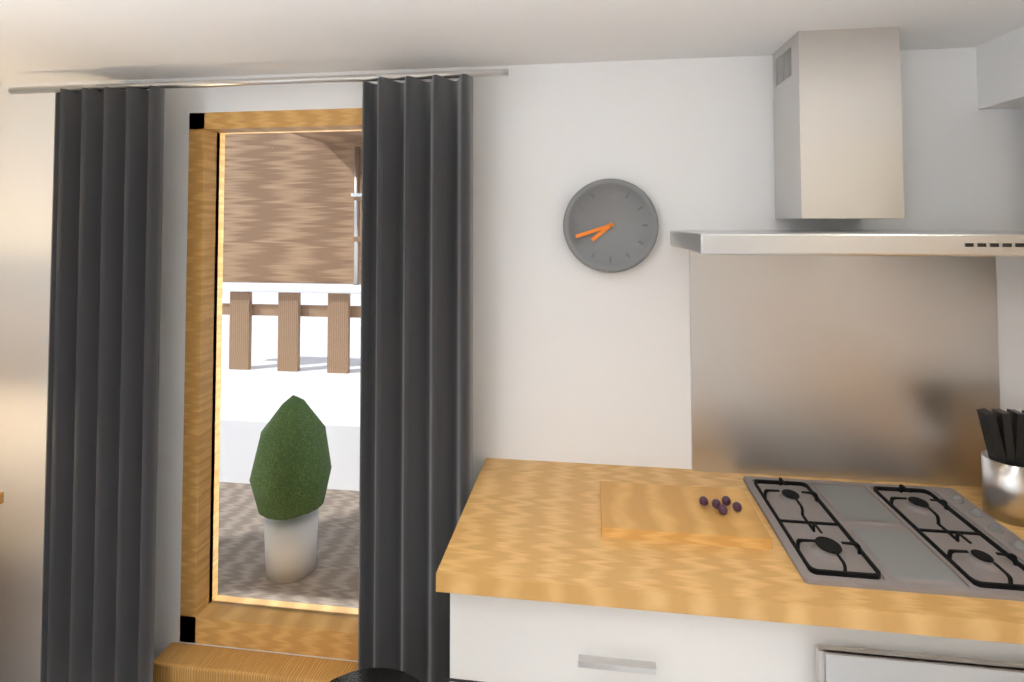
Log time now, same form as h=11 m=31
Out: h=7 m=42
